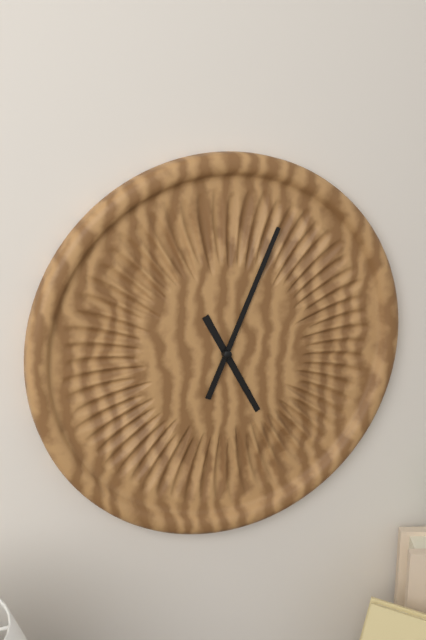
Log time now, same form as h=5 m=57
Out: h=5 m=4
